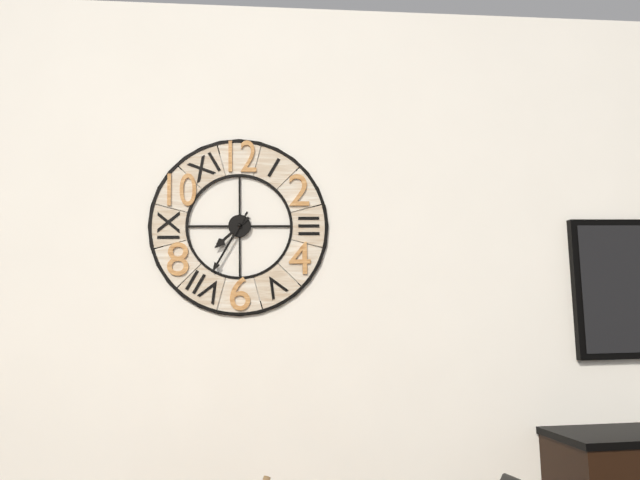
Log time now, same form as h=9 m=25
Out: h=7 m=35
